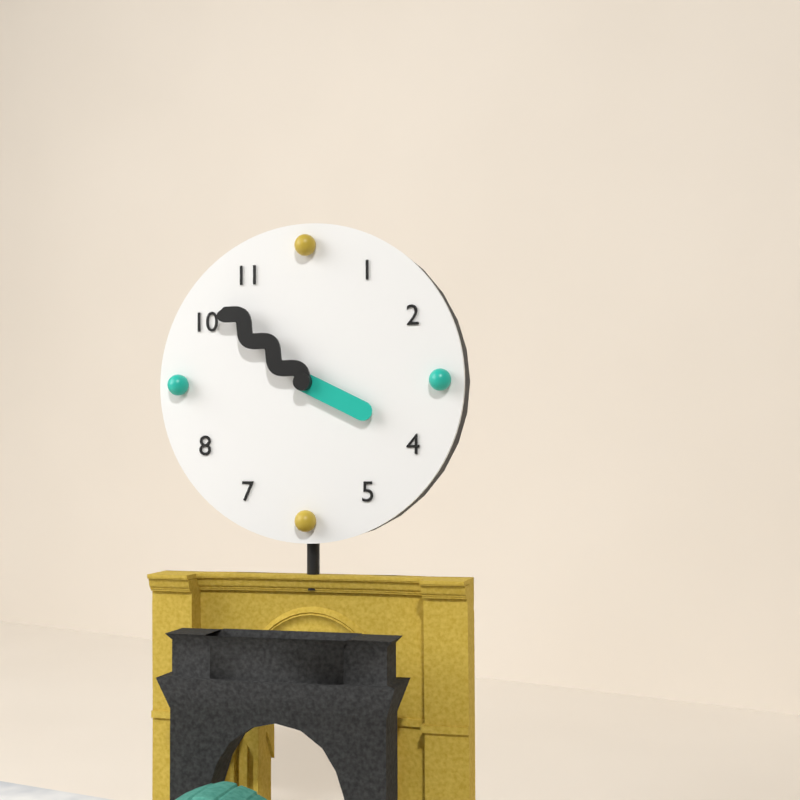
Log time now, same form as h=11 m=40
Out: h=3 m=52
